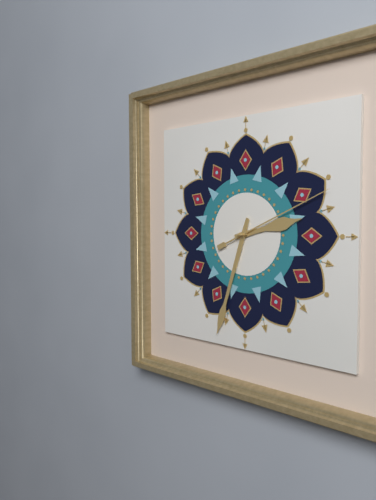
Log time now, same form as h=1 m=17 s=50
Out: h=2 m=33 s=11
